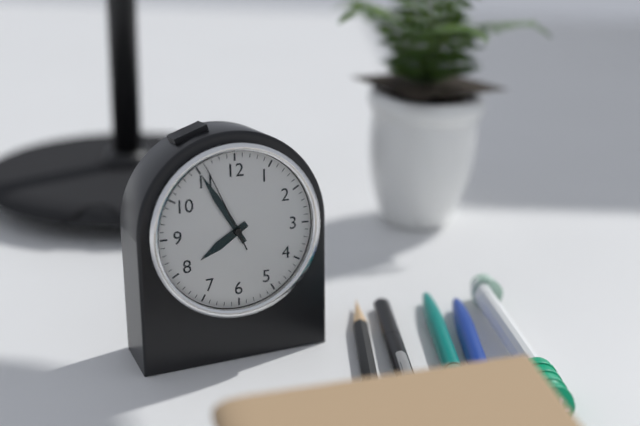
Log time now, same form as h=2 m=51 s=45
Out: h=7 m=55 s=56
